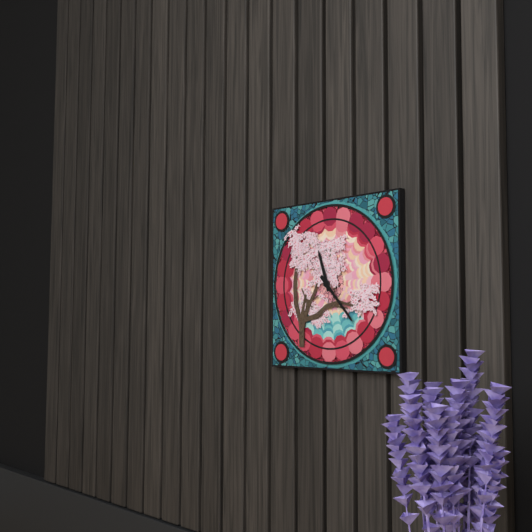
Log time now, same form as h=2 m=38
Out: h=11 m=23
